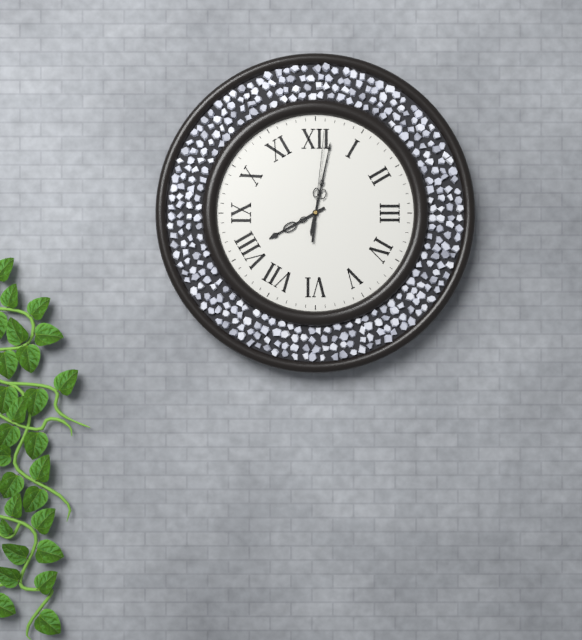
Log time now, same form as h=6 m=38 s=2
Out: h=8 m=2 s=1
